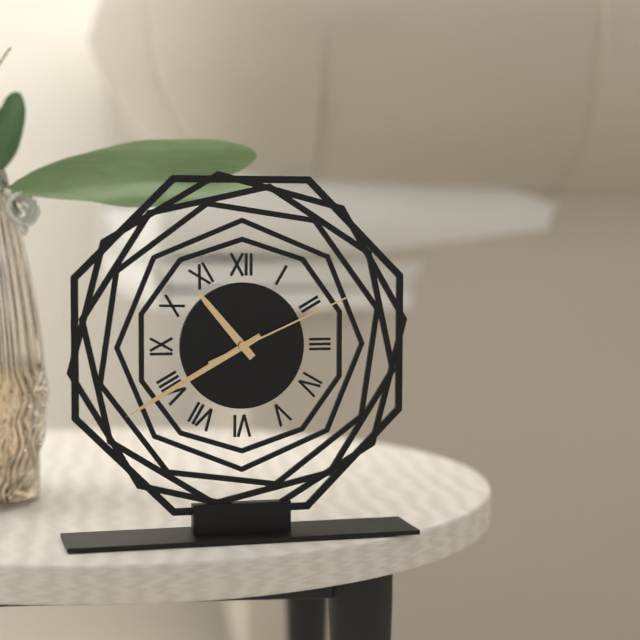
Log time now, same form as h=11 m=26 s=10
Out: h=10 m=40 s=11
